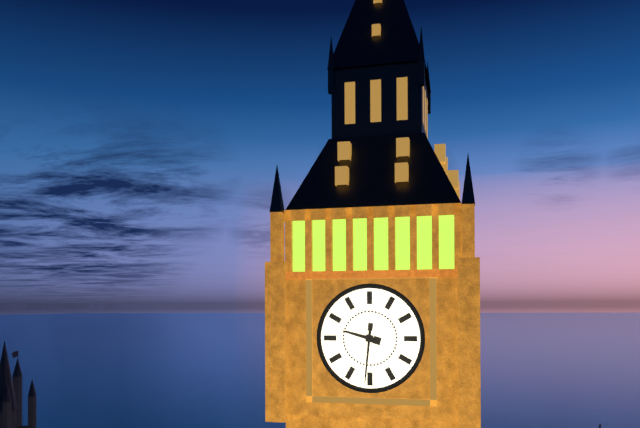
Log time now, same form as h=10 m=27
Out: h=9 m=31
